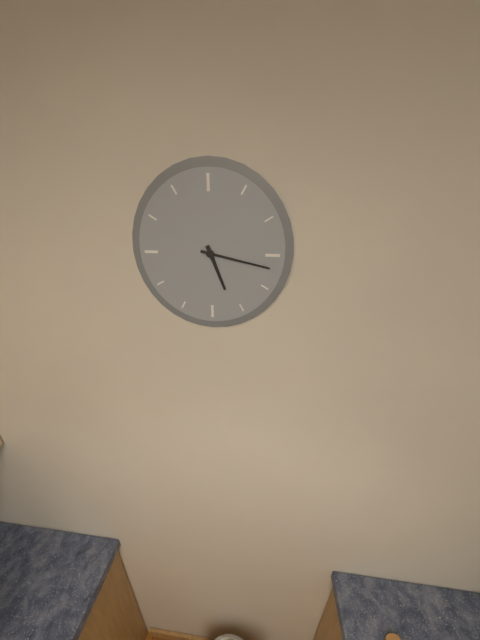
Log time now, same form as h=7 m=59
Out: h=5 m=17
